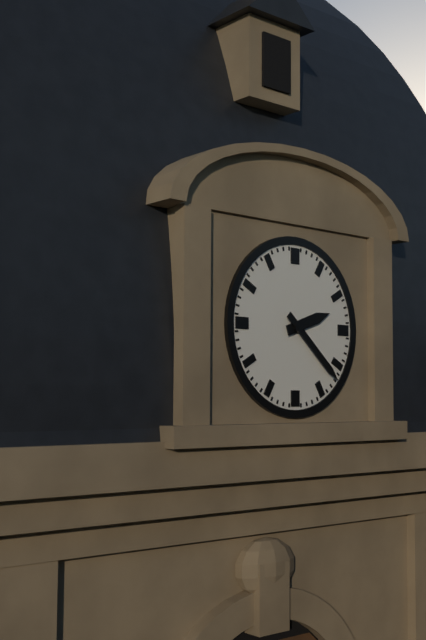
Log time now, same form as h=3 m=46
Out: h=2 m=22
